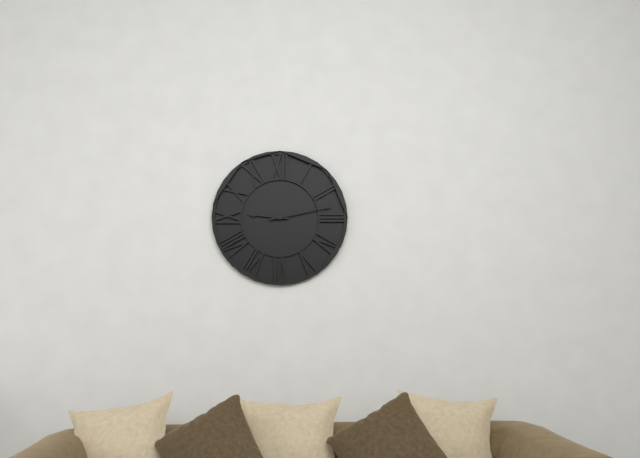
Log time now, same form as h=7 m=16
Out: h=9 m=13
